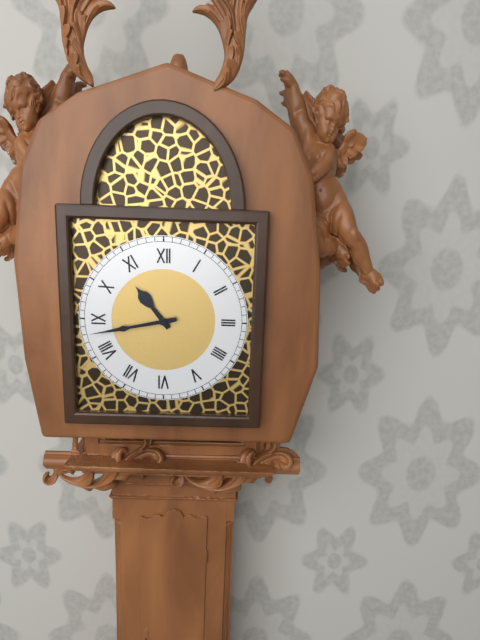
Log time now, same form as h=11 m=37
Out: h=10 m=43
